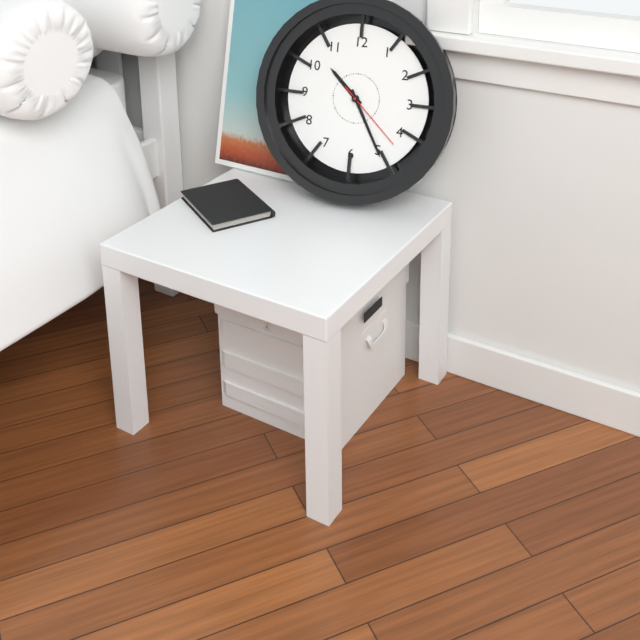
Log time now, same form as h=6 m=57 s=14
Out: h=10 m=25 s=22
